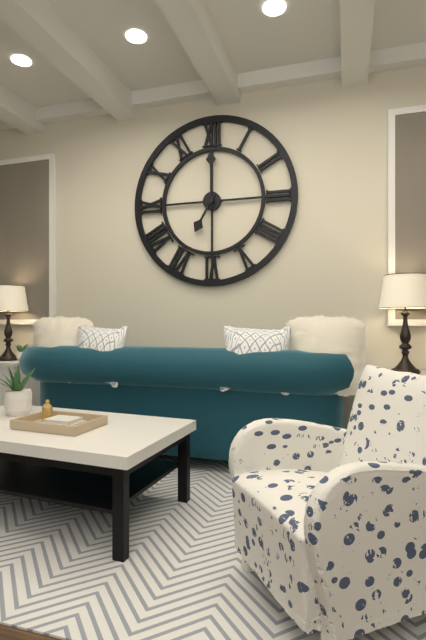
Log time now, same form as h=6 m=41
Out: h=7 m=0
